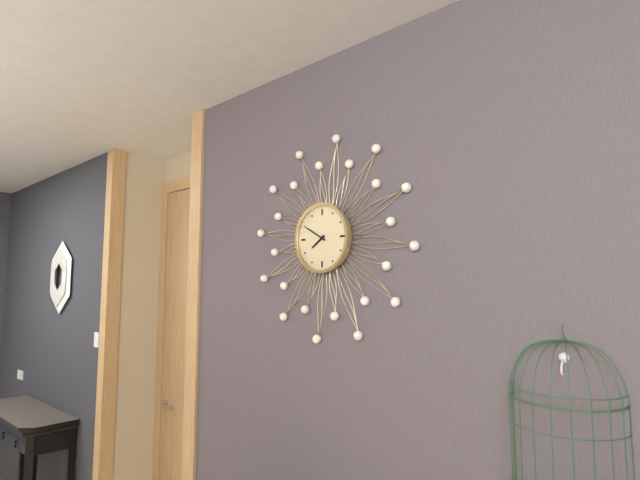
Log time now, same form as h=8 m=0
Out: h=7 m=50
